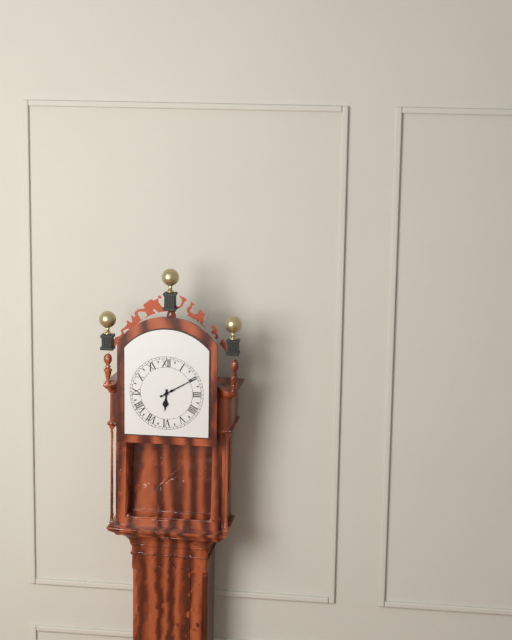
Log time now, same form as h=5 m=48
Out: h=6 m=10
